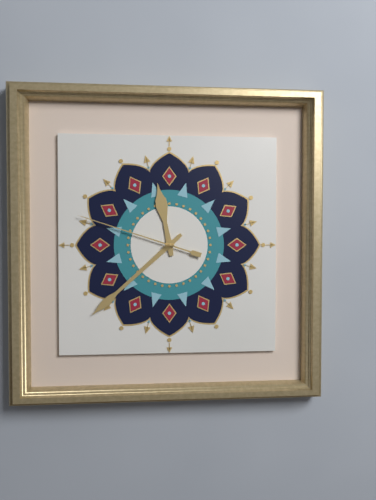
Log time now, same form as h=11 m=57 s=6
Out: h=11 m=38 s=48
